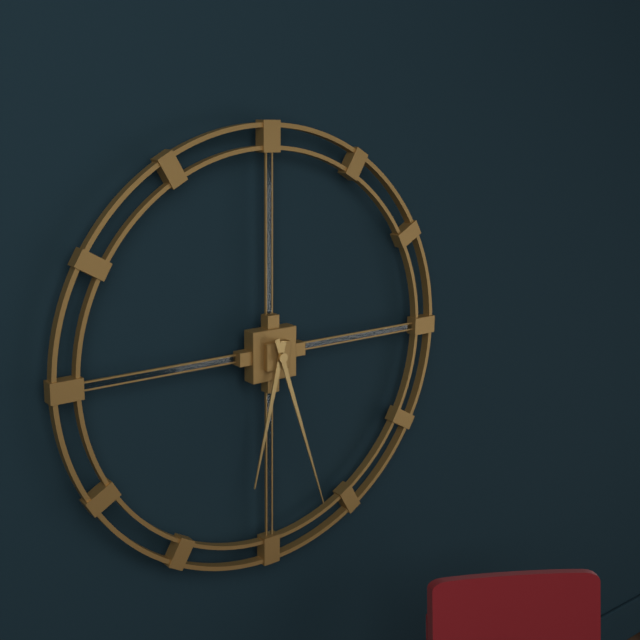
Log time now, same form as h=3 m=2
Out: h=6 m=27
